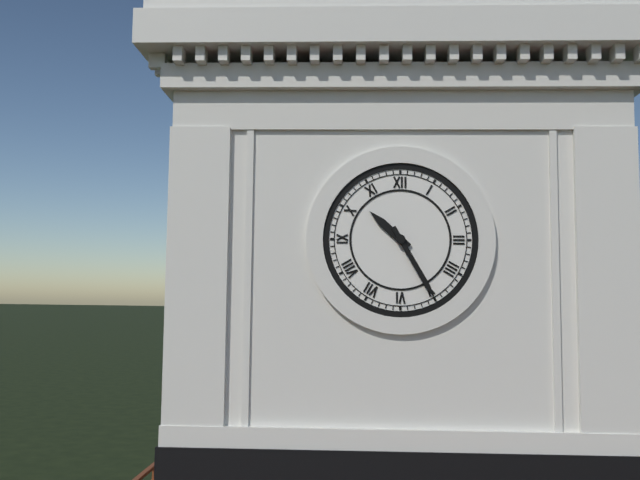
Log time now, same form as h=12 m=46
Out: h=10 m=25
